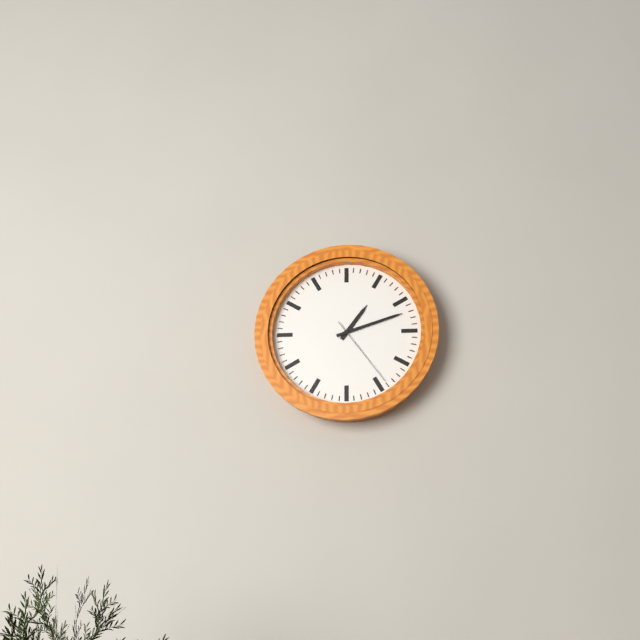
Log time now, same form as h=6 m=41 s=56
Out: h=1 m=12 s=24
